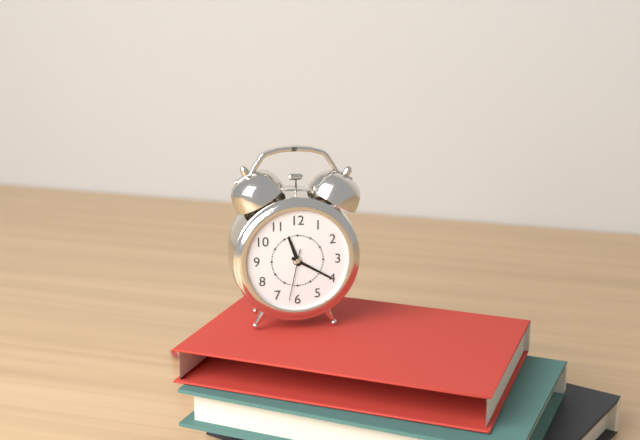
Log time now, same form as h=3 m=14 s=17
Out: h=11 m=20 s=32
